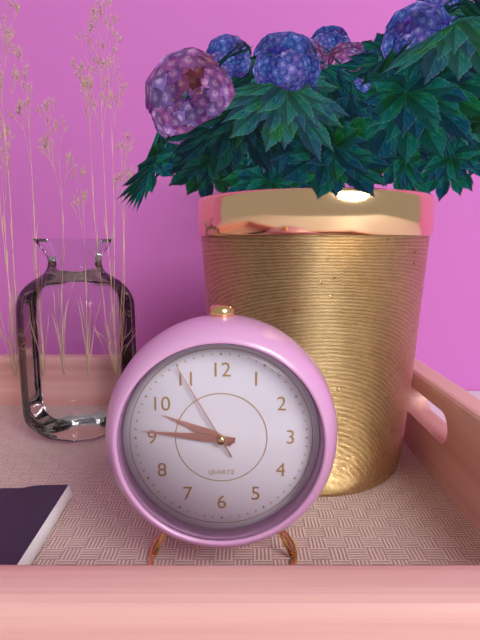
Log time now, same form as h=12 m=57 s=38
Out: h=9 m=46 s=55
